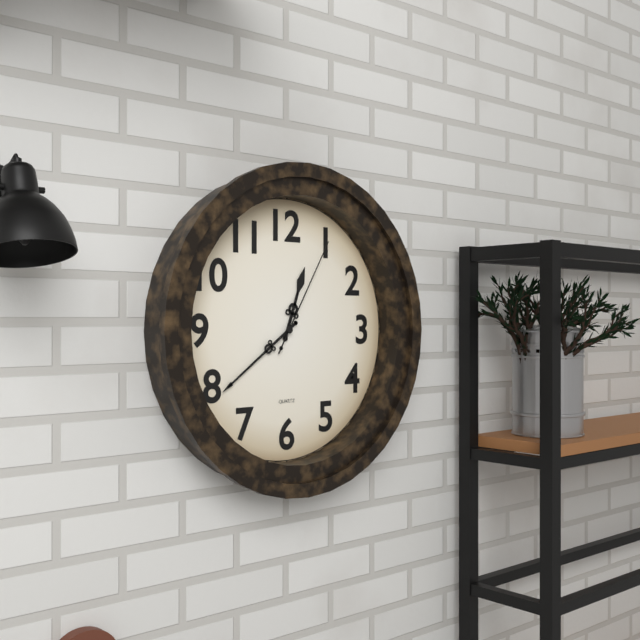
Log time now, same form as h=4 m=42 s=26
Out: h=12 m=39 s=5
